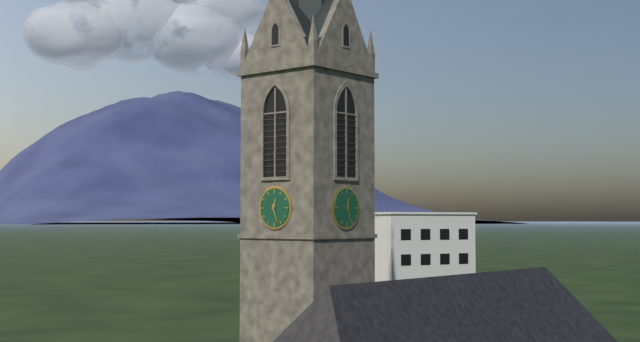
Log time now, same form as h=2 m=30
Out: h=12 m=27
